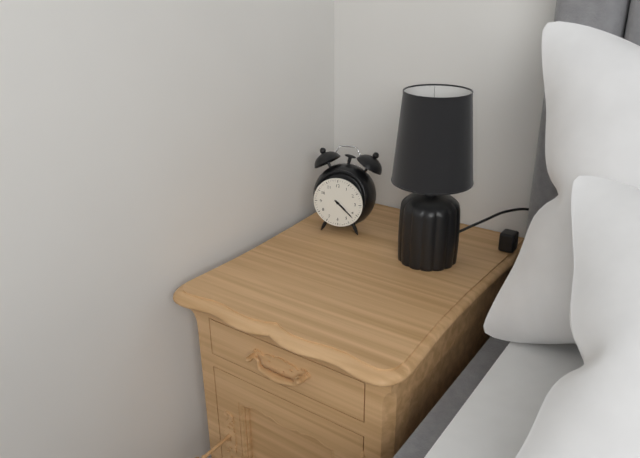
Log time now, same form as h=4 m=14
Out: h=4 m=22
